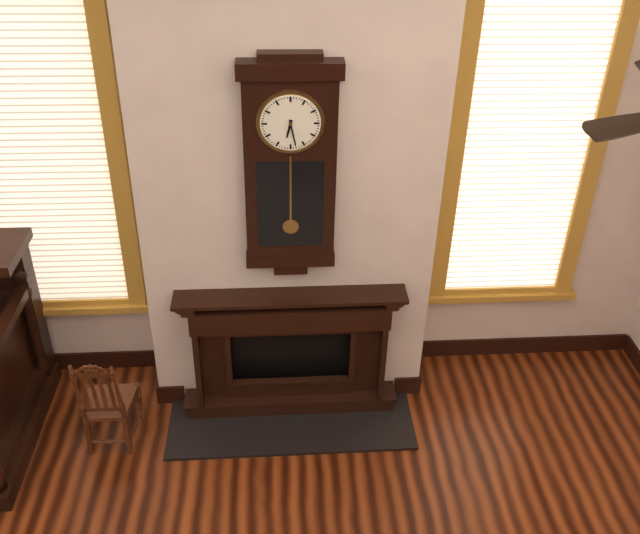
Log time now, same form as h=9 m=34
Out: h=6 m=28
